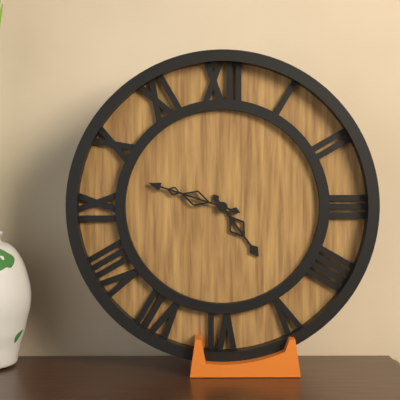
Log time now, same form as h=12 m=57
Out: h=4 m=48
